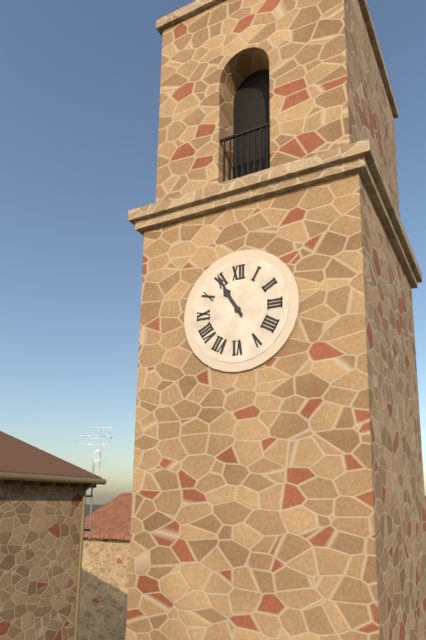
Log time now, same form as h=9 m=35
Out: h=10 m=55
